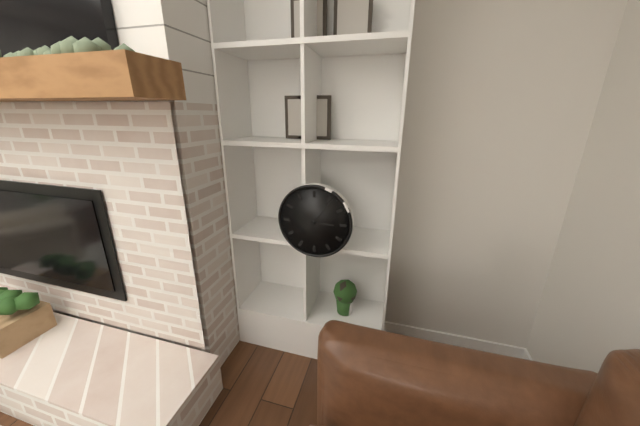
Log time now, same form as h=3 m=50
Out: h=3 m=6
